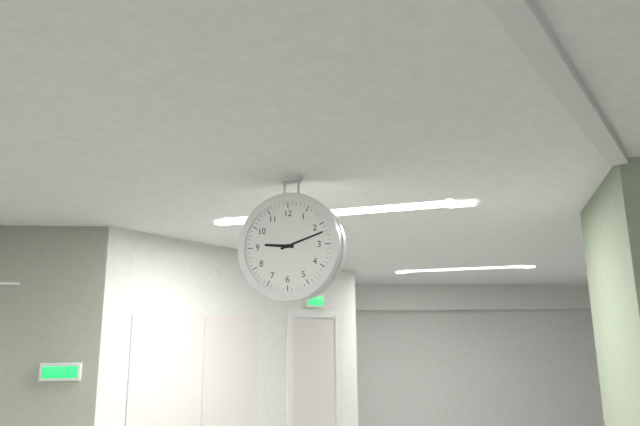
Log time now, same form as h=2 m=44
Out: h=9 m=12
